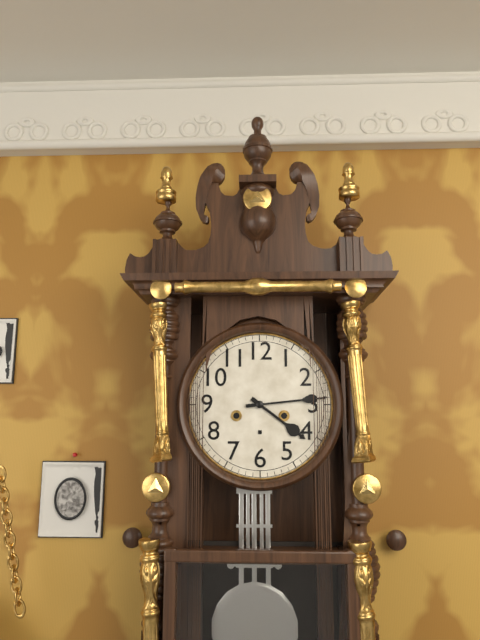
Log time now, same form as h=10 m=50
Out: h=4 m=14
